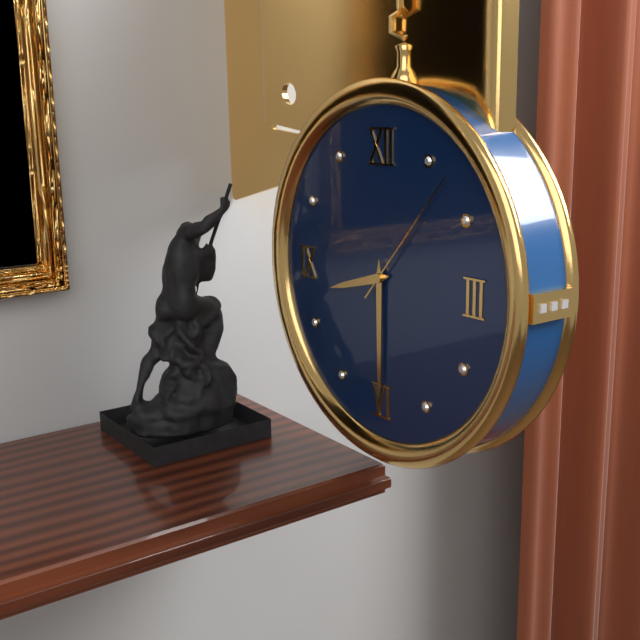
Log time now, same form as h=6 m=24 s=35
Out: h=8 m=30 s=7
